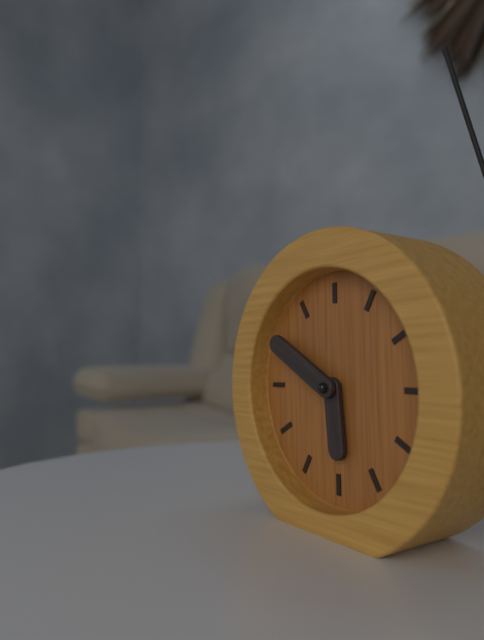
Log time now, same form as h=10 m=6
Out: h=5 m=50
